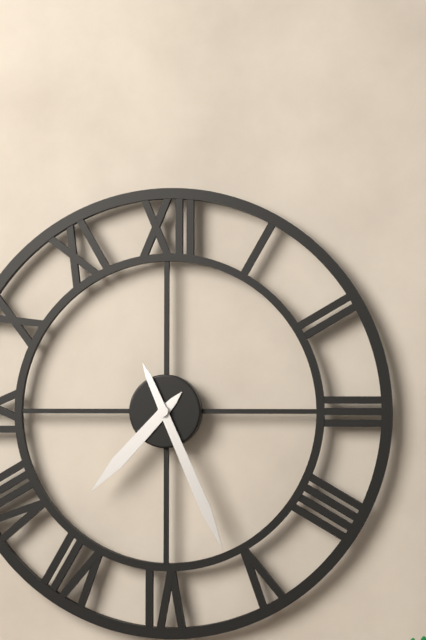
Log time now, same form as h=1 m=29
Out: h=7 m=26
